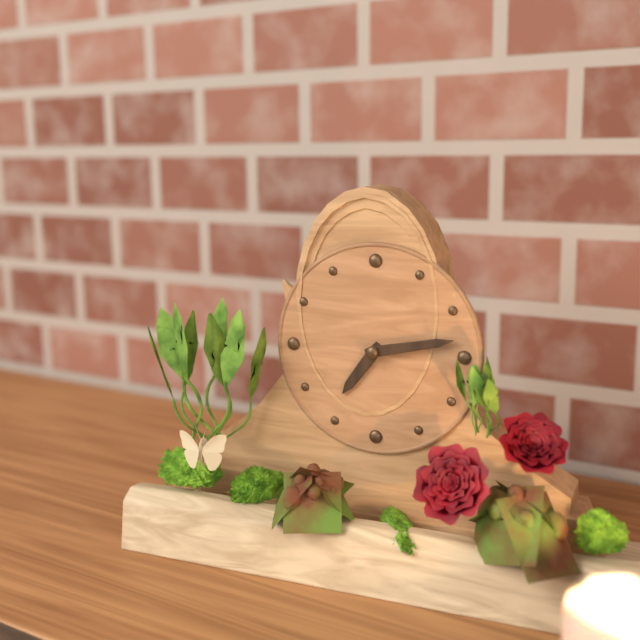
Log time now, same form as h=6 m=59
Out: h=7 m=13
